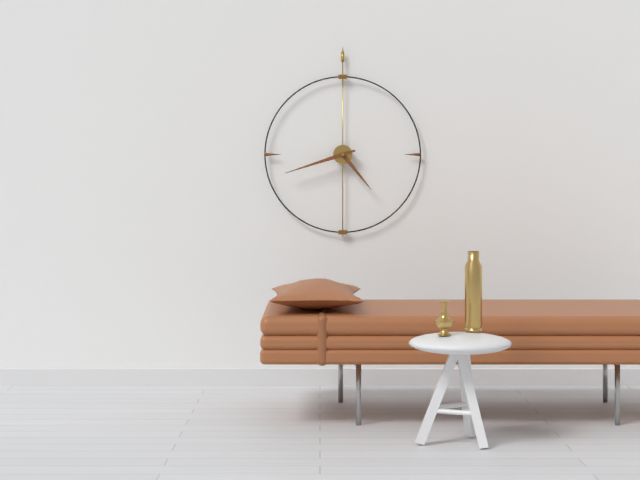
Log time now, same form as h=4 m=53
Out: h=4 m=42
